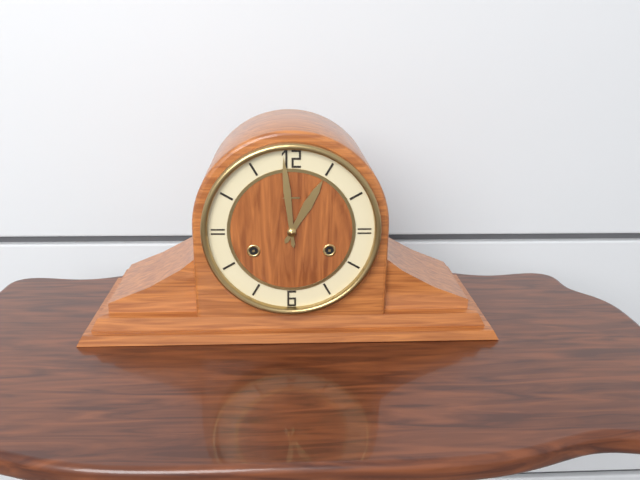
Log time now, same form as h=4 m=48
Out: h=12 m=59
